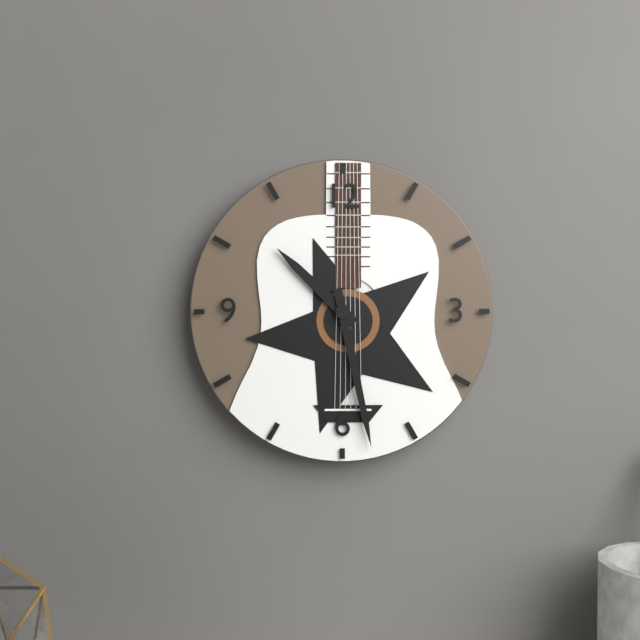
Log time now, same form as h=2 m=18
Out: h=10 m=28
